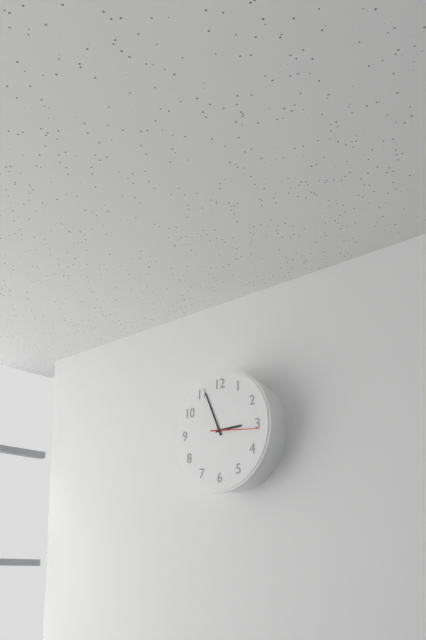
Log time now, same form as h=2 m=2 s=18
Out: h=2 m=56 s=16
